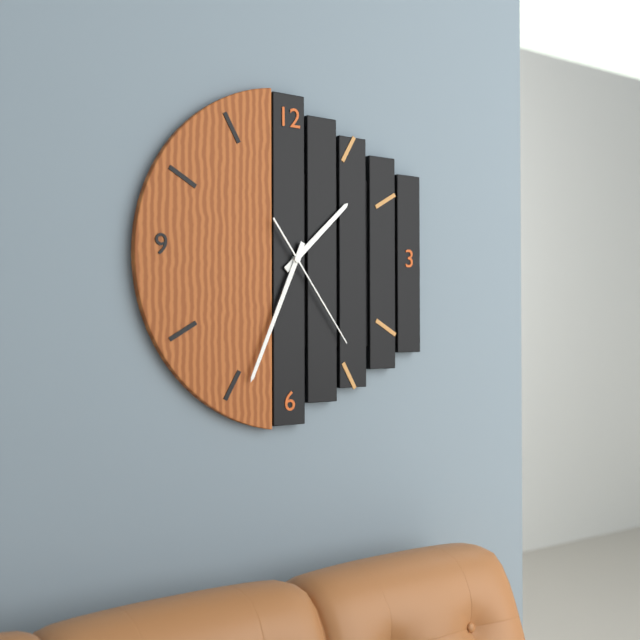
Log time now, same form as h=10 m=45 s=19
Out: h=1 m=34 s=24
